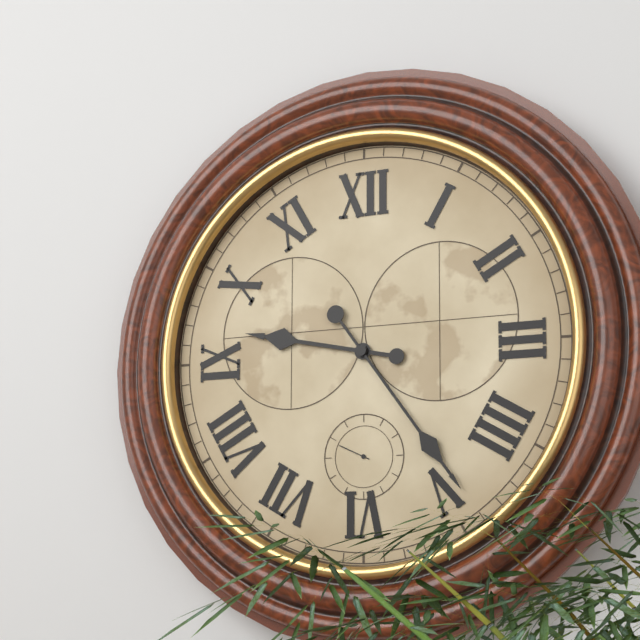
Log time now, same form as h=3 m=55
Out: h=9 m=24
